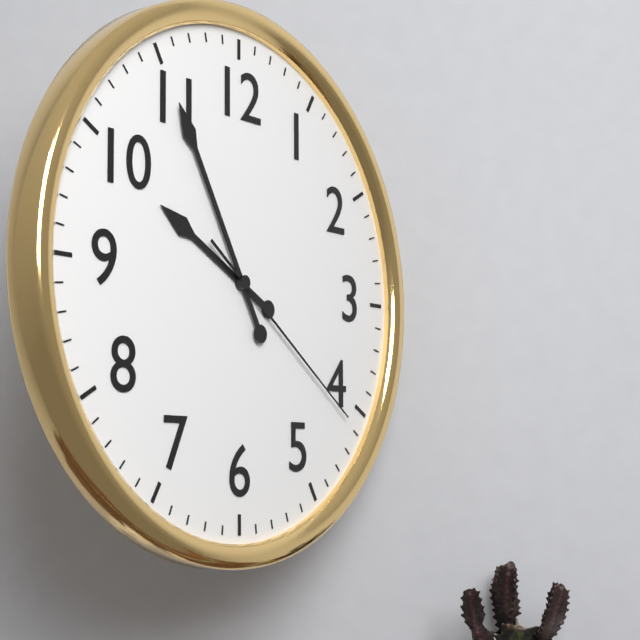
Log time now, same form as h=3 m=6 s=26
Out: h=9 m=55 s=21
